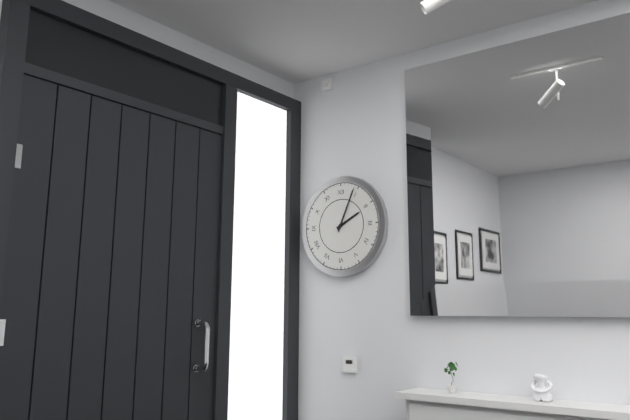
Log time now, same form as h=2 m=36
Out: h=2 m=4
